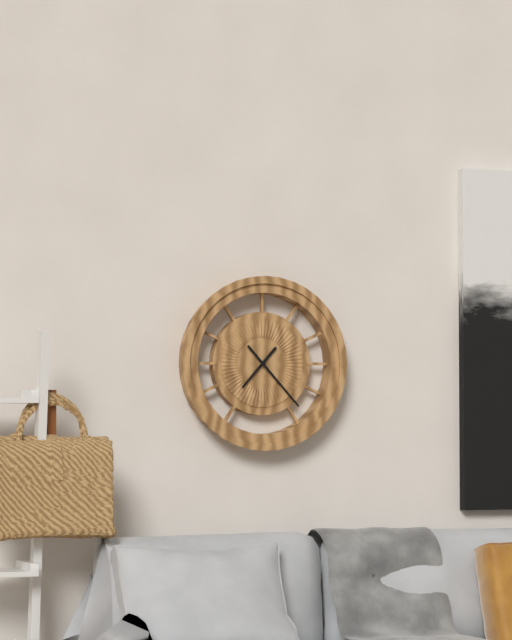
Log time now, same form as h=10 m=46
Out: h=7 m=23
